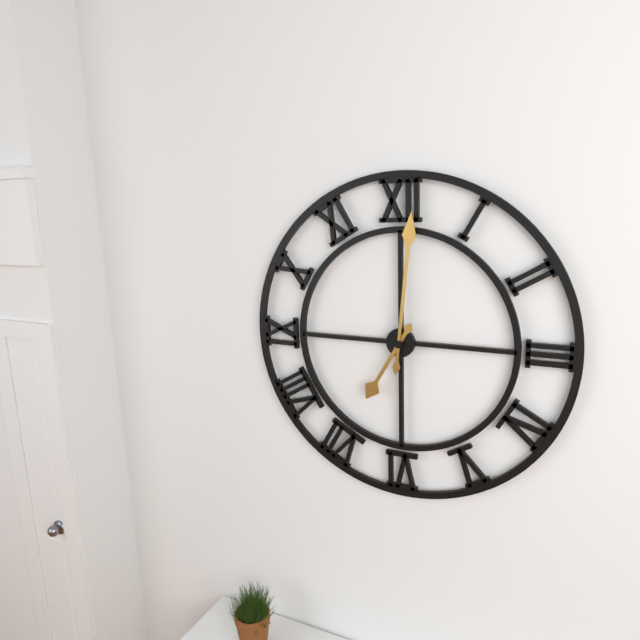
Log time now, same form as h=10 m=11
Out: h=7 m=1
